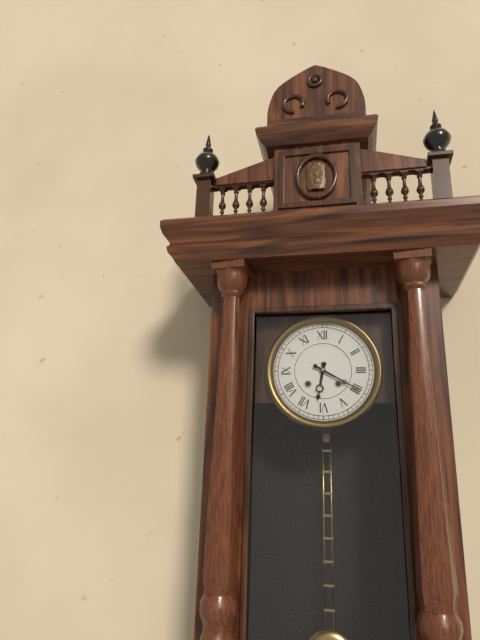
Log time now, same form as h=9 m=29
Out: h=6 m=20
